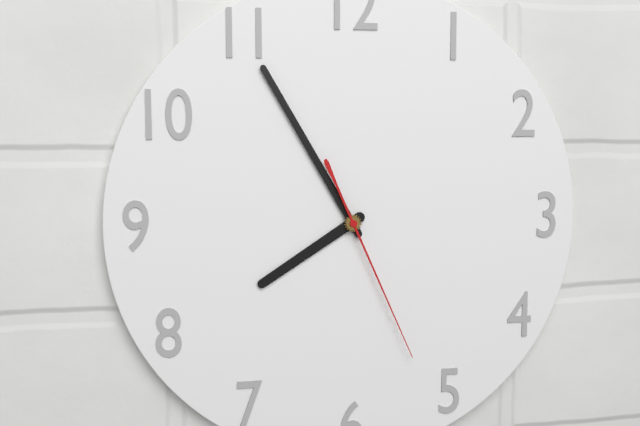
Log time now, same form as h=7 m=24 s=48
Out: h=7 m=55 s=26
